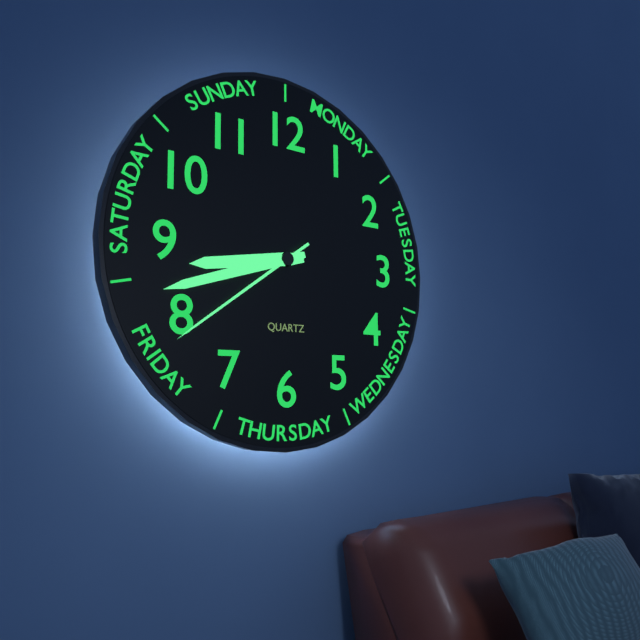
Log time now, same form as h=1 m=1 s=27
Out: h=8 m=42 s=39
